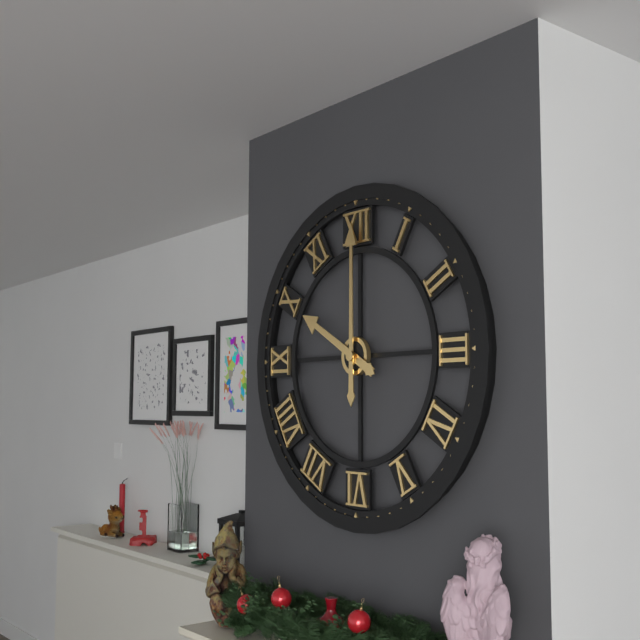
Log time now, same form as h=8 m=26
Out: h=10 m=0
